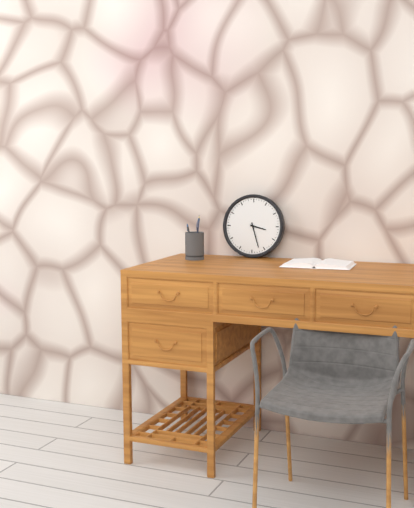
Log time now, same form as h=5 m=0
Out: h=3 m=27
